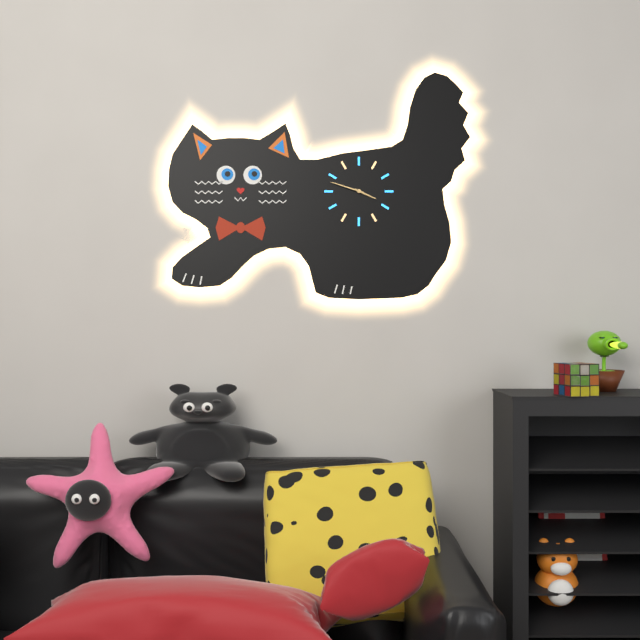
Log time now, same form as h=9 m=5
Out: h=3 m=48
